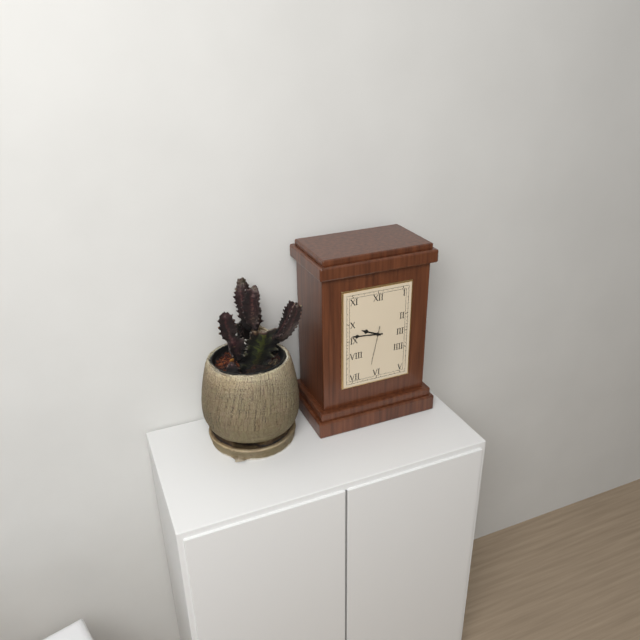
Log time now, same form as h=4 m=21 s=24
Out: h=9 m=46 s=32
